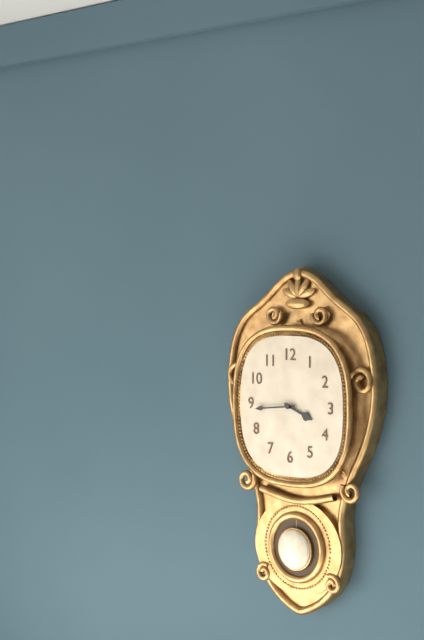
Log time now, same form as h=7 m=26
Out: h=3 m=44
